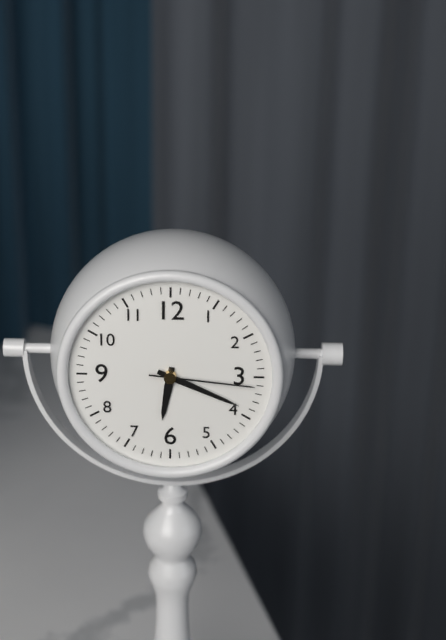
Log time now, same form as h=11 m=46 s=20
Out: h=6 m=19 s=16
